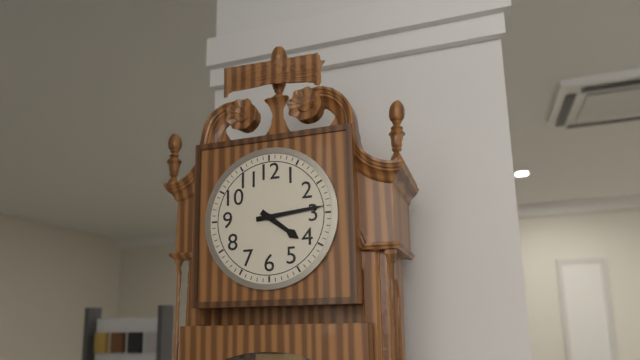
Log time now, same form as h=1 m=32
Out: h=4 m=14
